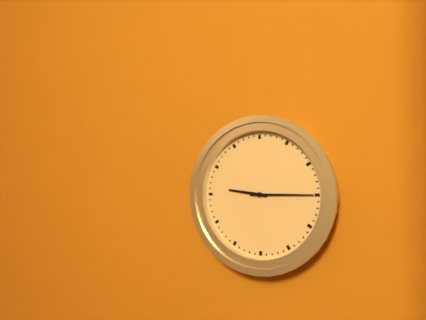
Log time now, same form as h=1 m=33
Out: h=9 m=15
